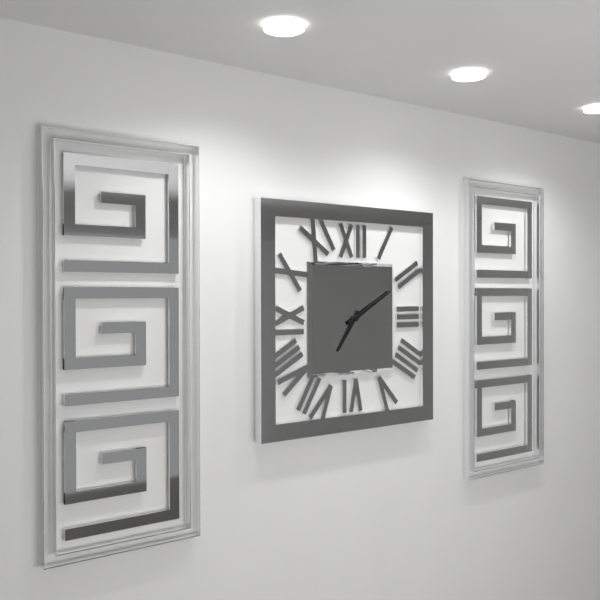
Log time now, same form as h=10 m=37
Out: h=7 m=10
